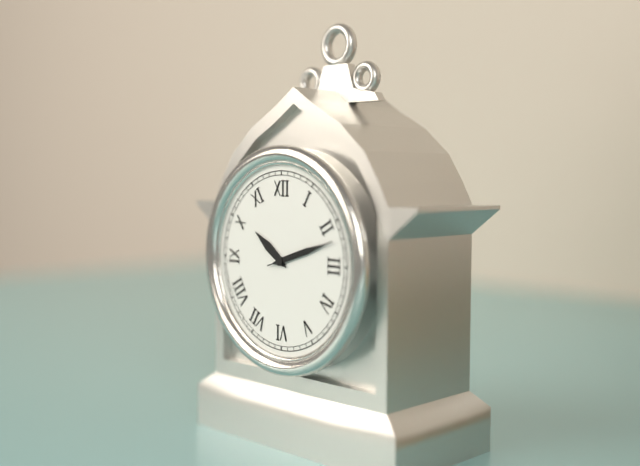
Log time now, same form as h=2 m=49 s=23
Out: h=10 m=12 s=12
